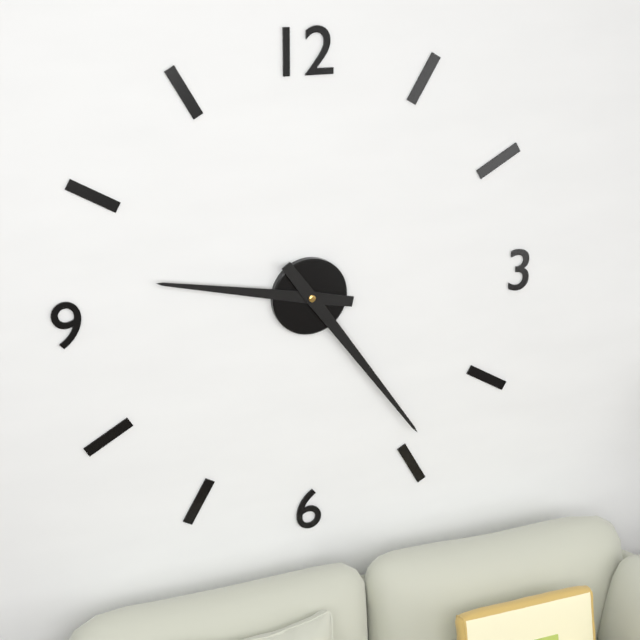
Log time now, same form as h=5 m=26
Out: h=9 m=24
